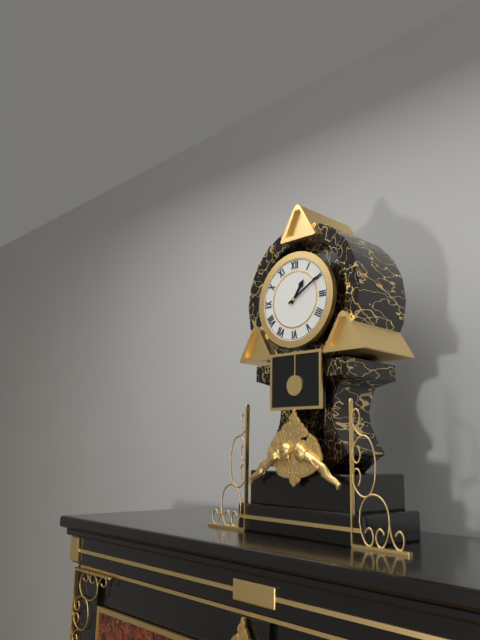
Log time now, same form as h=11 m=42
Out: h=1 m=10
